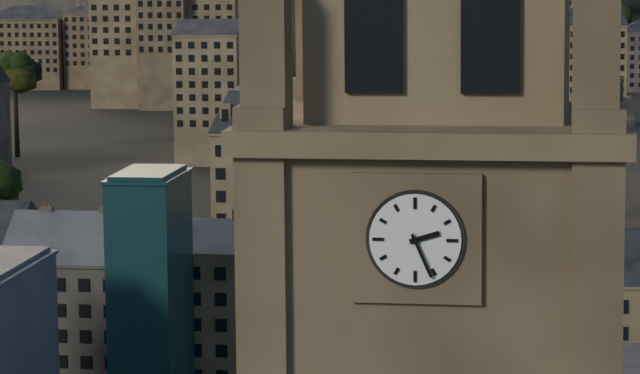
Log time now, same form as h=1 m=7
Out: h=2 m=26
